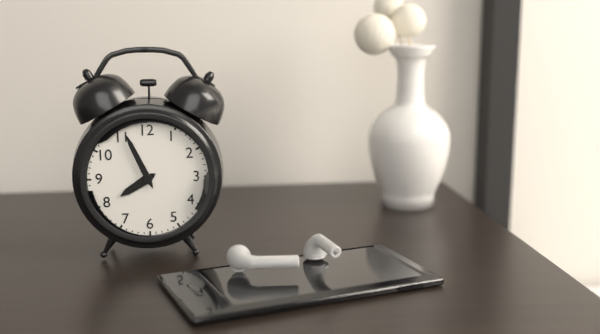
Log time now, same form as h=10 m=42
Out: h=7 m=56
